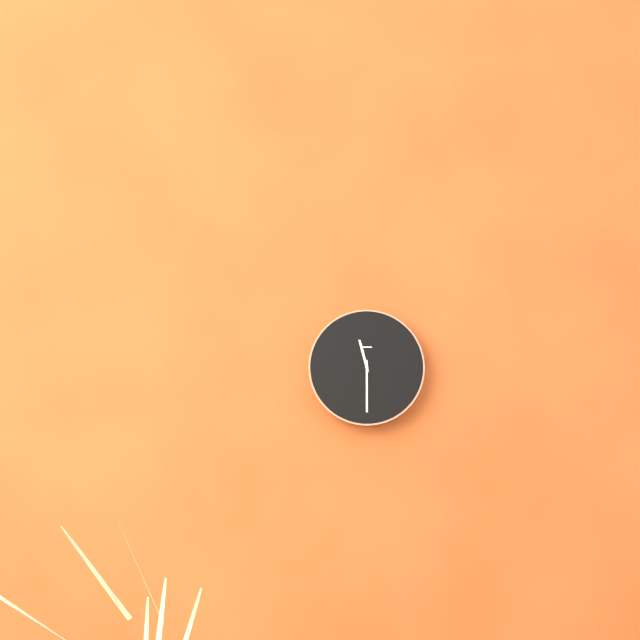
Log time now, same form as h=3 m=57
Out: h=11 m=30
